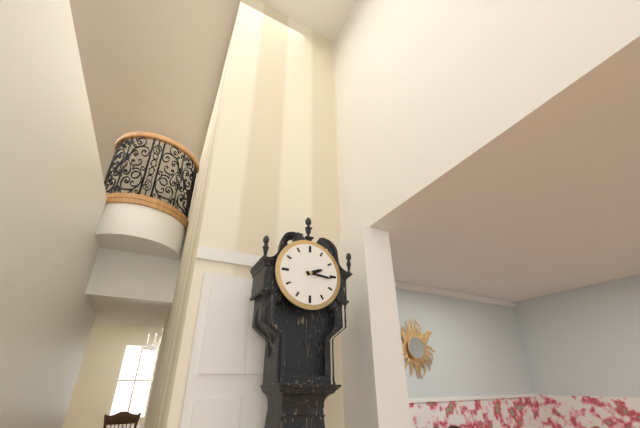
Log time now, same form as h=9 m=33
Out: h=2 m=16
